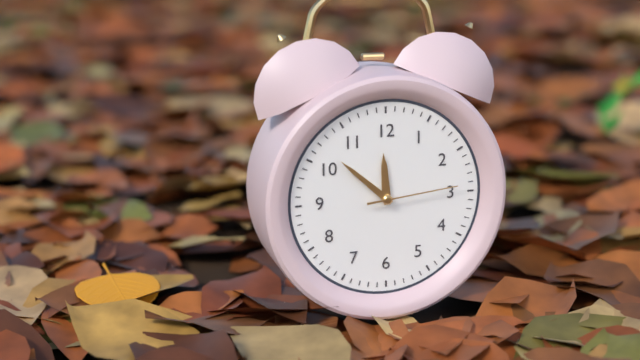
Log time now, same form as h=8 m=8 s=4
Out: h=11 m=52 s=14
